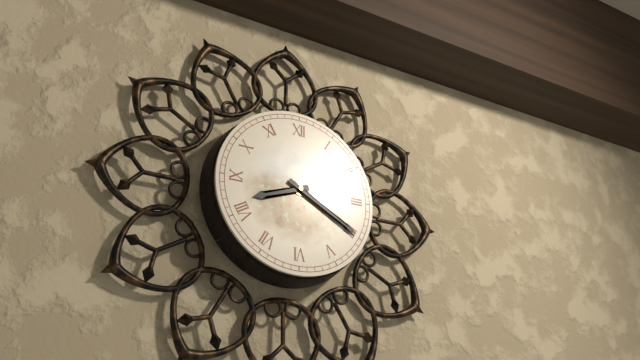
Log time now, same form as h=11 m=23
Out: h=8 m=20
